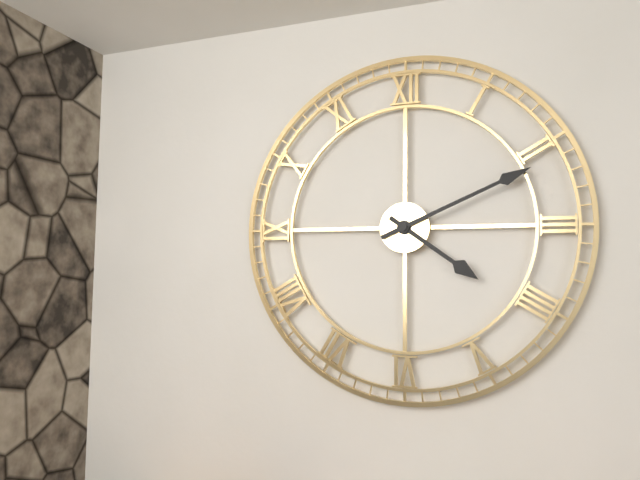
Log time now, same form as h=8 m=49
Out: h=4 m=11
